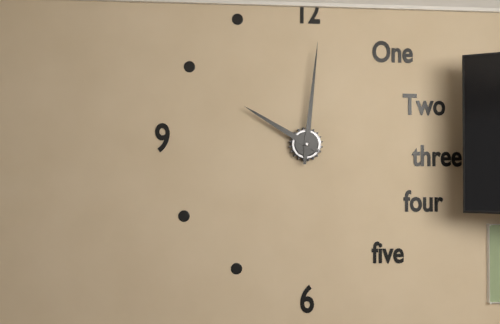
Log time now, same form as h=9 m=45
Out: h=10 m=1
